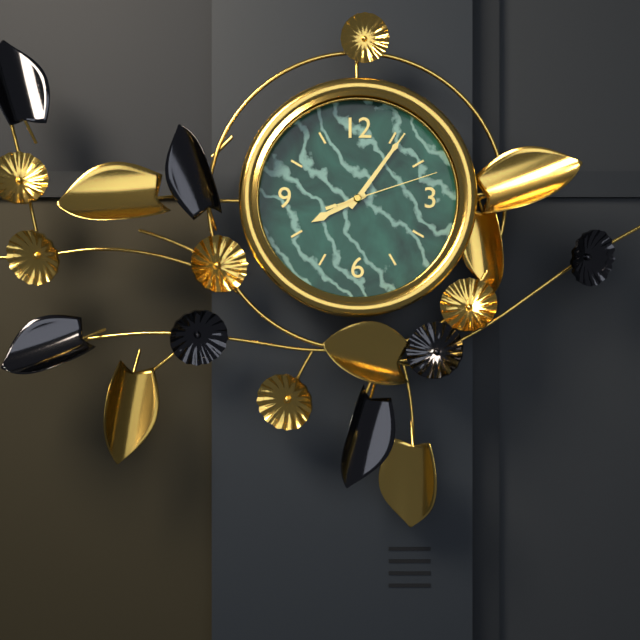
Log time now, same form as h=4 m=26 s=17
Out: h=8 m=6 s=12
